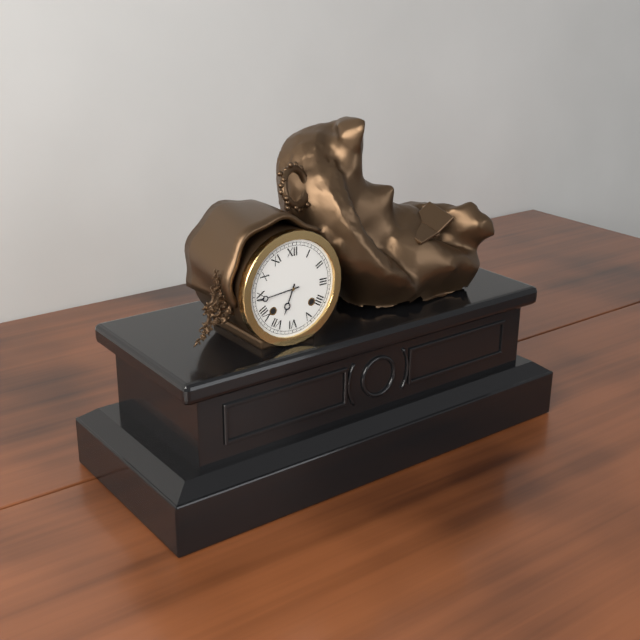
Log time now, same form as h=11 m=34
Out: h=6 m=44
